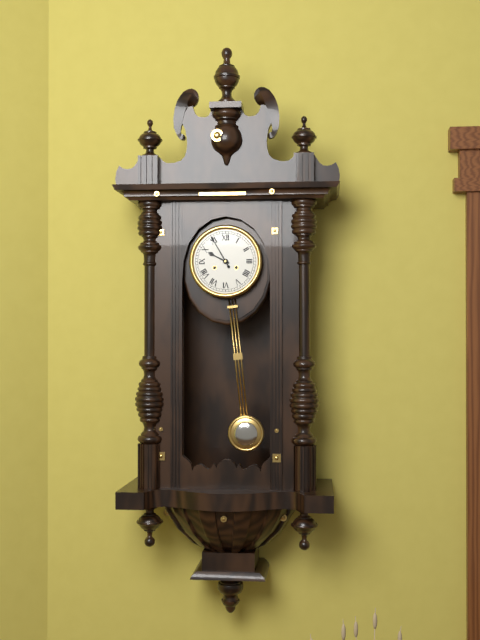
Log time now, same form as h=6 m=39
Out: h=9 m=55
